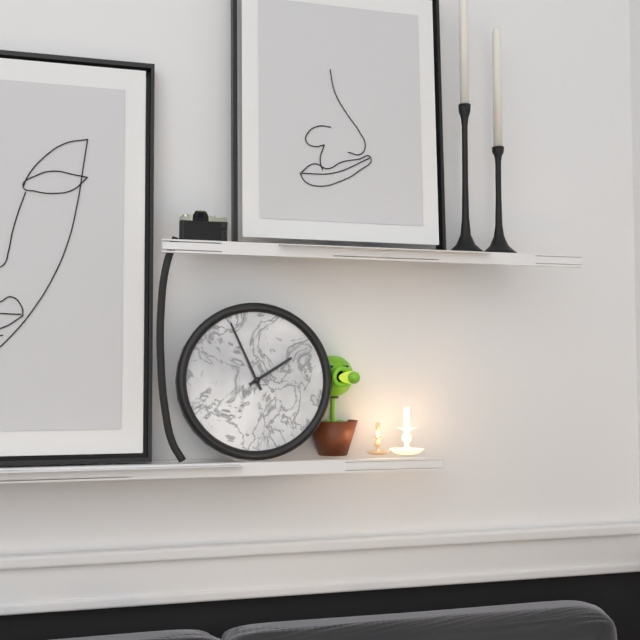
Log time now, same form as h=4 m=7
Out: h=1 m=56
